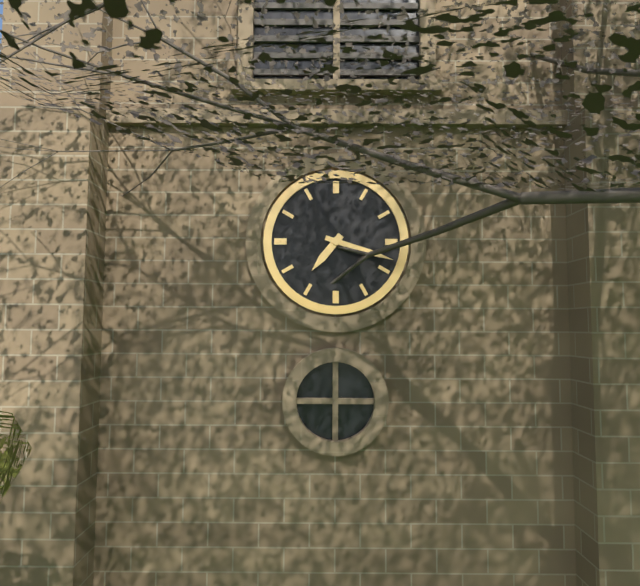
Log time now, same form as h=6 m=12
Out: h=7 m=18
